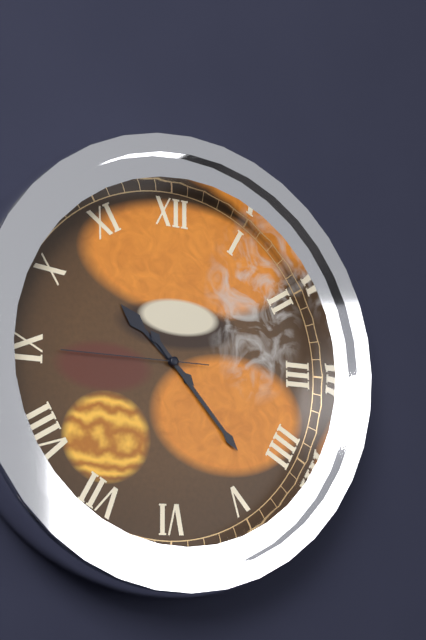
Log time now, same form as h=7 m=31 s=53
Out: h=10 m=23 s=45
